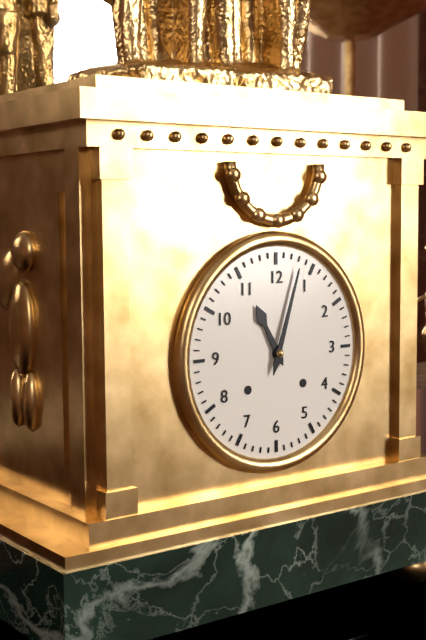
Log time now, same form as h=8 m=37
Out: h=11 m=3
